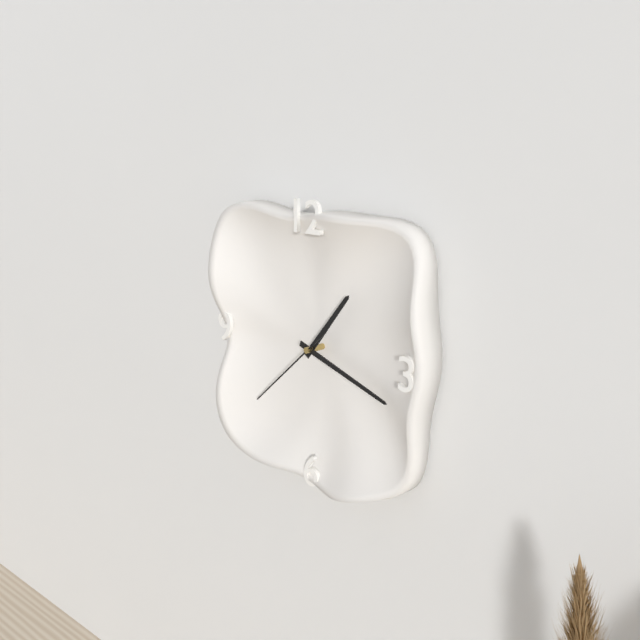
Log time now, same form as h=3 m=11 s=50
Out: h=1 m=18 s=38
